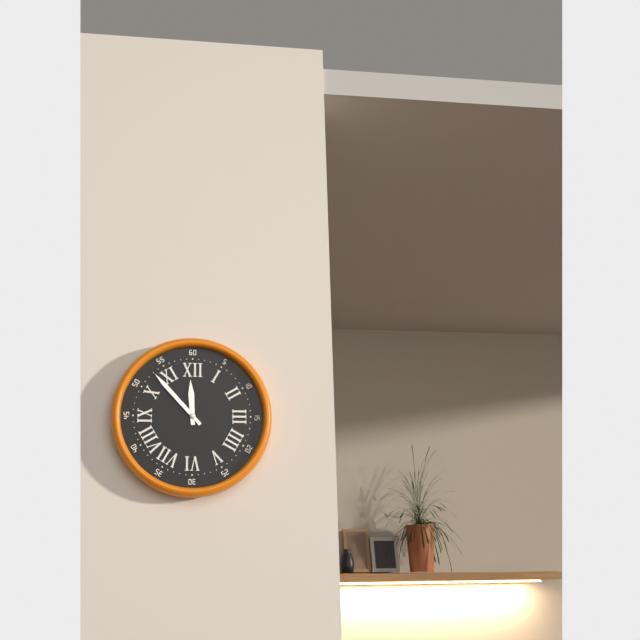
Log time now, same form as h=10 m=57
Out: h=11 m=53
